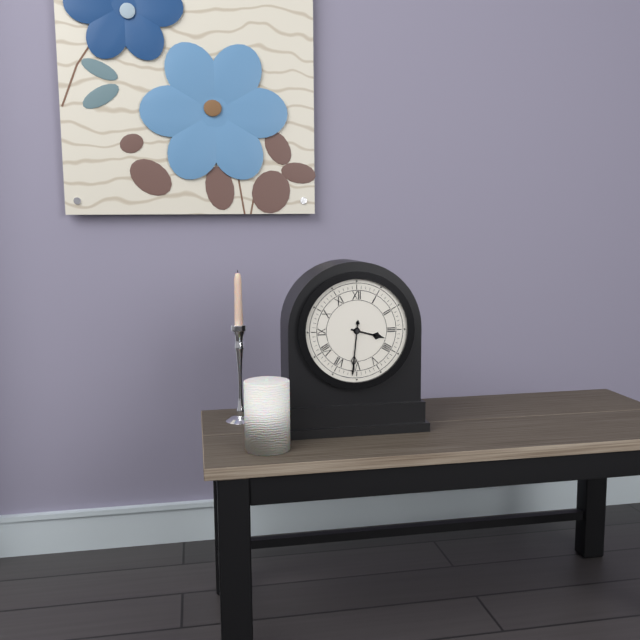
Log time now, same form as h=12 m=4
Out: h=3 m=31
